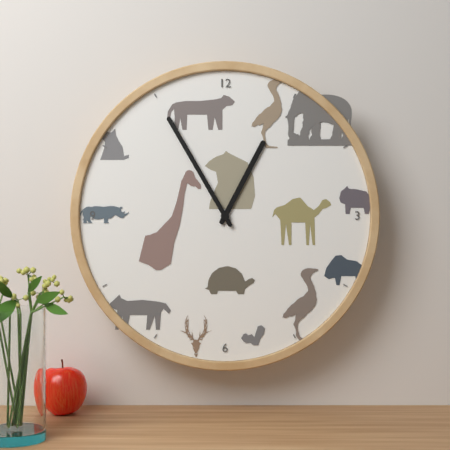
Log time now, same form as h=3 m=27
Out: h=12 m=55
